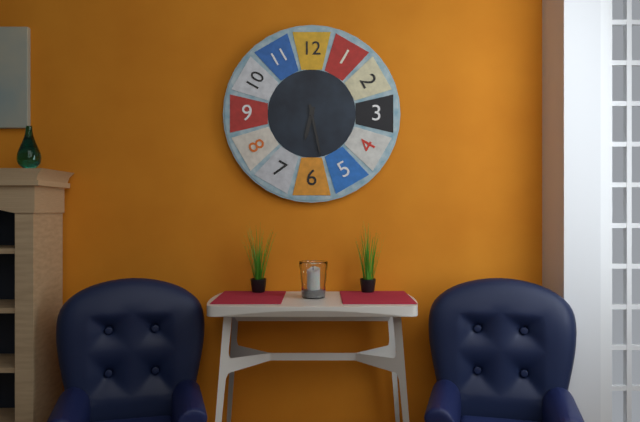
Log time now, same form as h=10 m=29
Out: h=6 m=28
